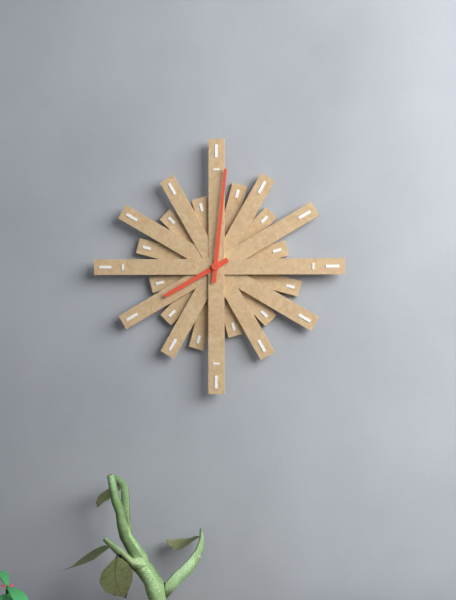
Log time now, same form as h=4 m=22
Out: h=8 m=1
